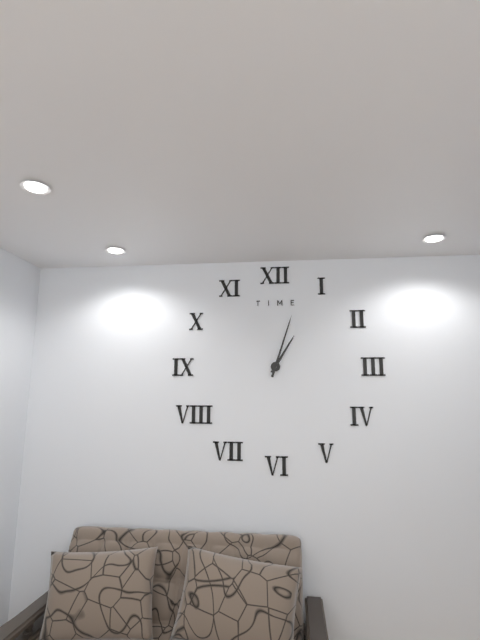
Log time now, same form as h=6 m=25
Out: h=1 m=3
